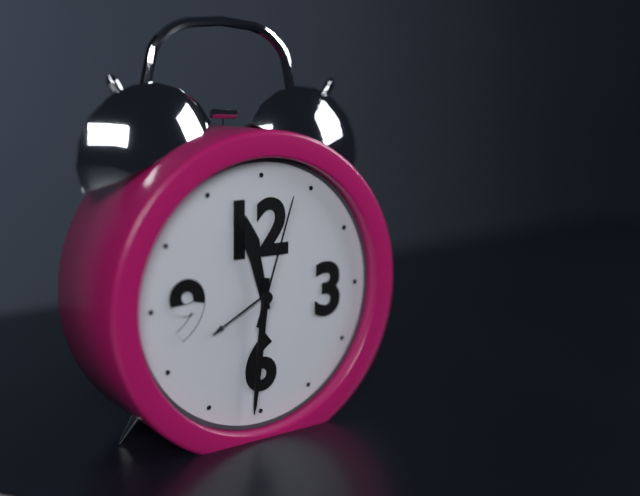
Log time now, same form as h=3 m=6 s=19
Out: h=11 m=31 s=3
